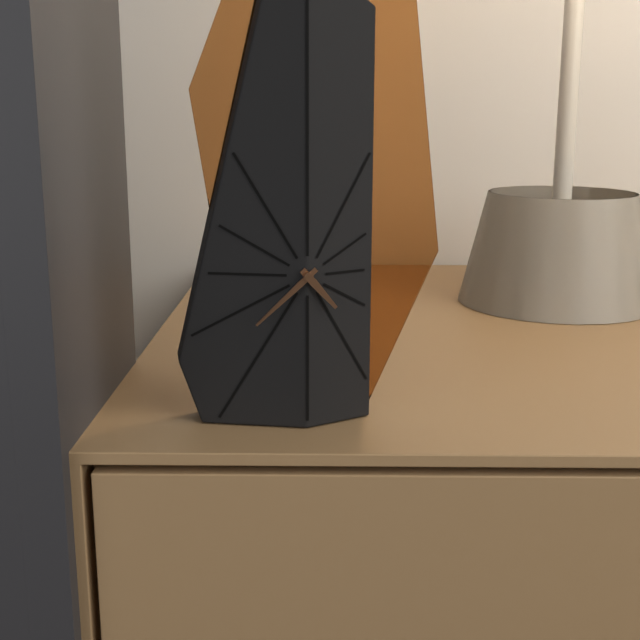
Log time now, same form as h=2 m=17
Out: h=4 m=38
